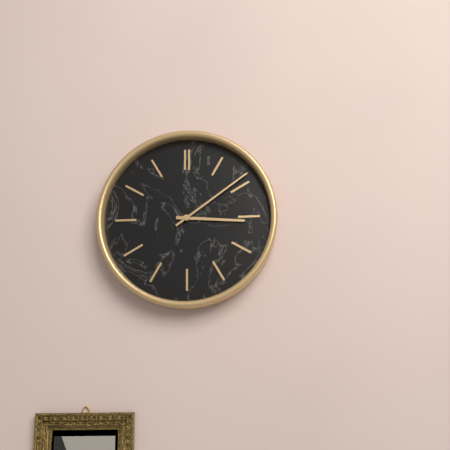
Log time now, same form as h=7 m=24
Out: h=3 m=9
